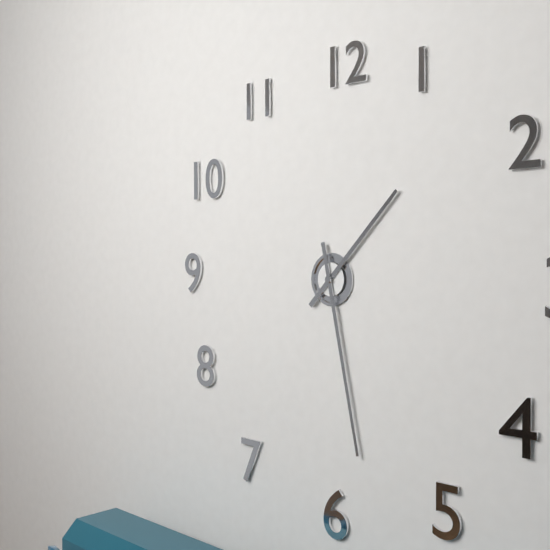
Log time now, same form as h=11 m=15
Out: h=1 m=28
